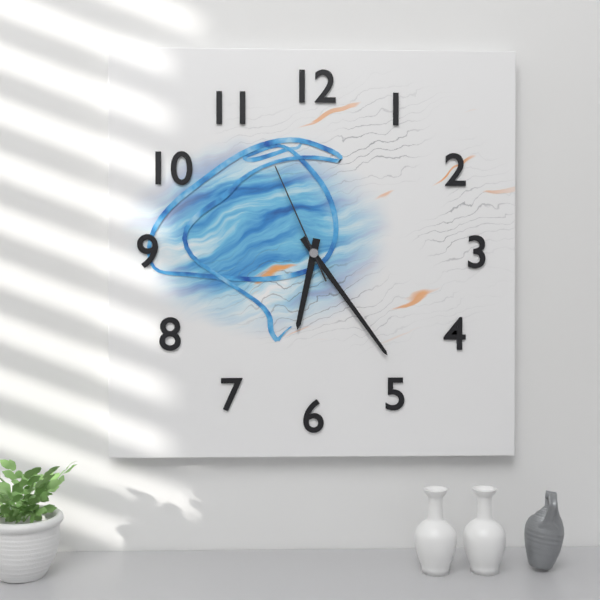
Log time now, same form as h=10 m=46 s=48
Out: h=6 m=24 s=56
